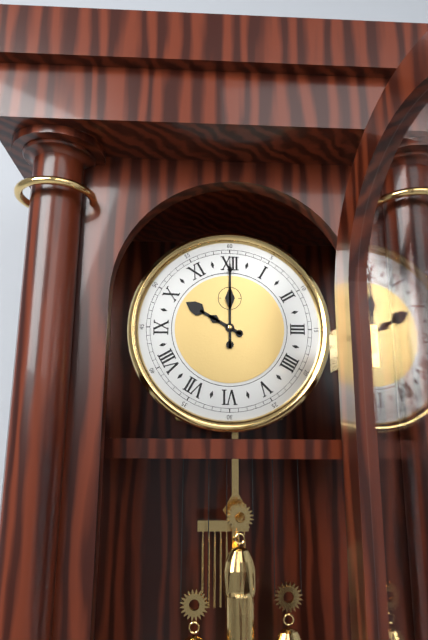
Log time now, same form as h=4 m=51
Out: h=10 m=0
